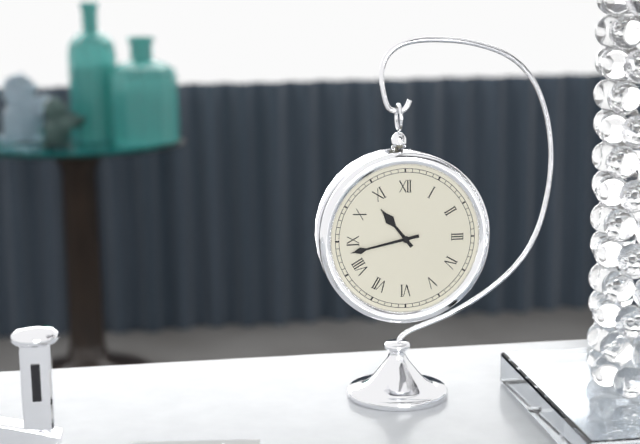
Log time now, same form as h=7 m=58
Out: h=10 m=43
